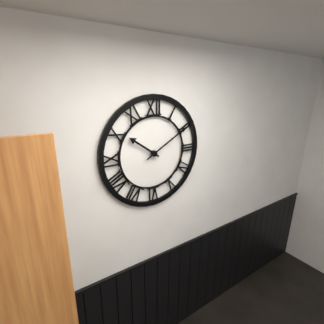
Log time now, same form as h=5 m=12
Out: h=10 m=10
